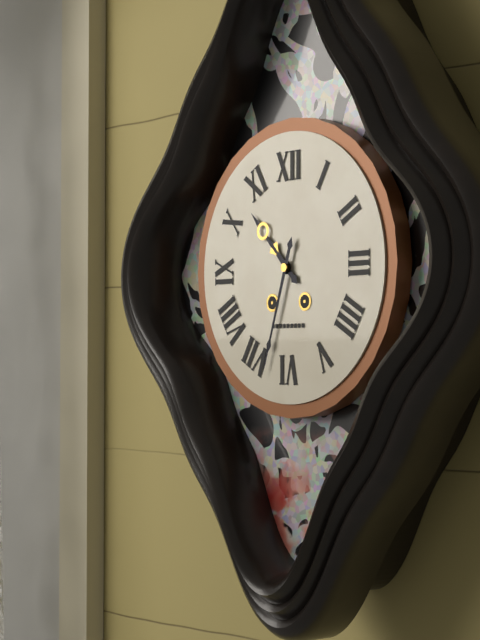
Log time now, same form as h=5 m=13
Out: h=10 m=33
